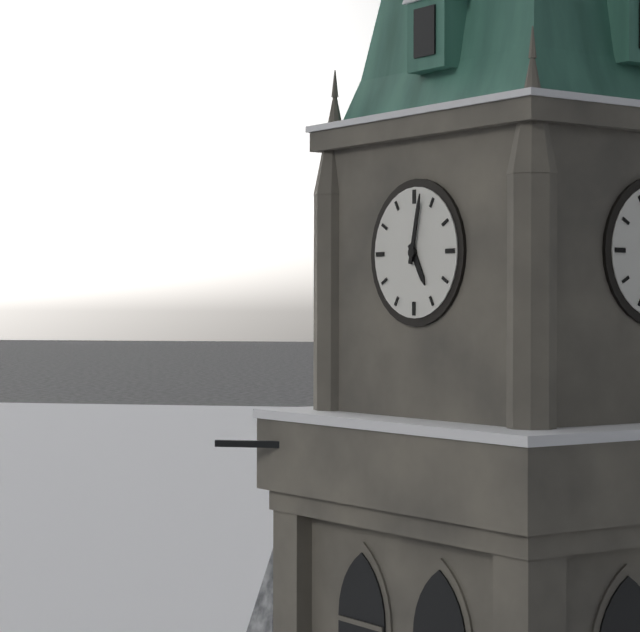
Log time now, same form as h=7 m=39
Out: h=5 m=2
